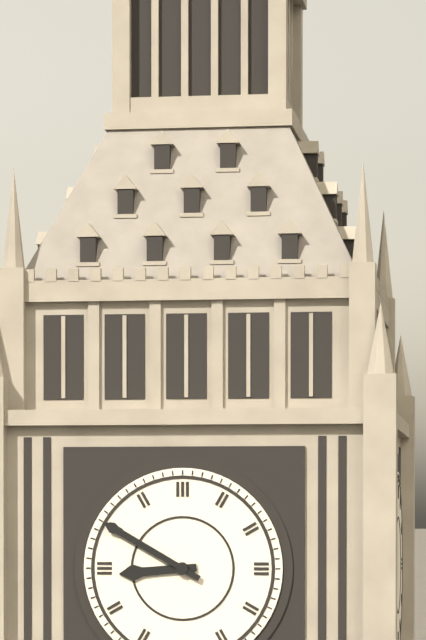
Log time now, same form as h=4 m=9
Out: h=8 m=50
